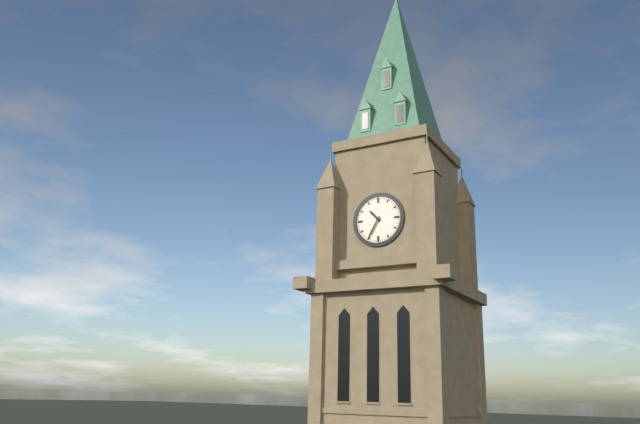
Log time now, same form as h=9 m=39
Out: h=10 m=35
